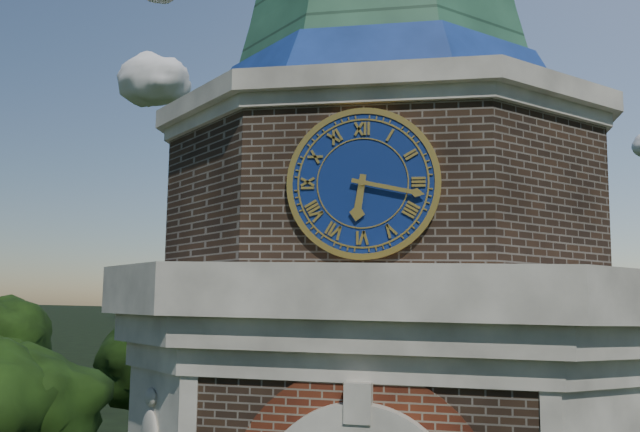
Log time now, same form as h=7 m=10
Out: h=6 m=17
